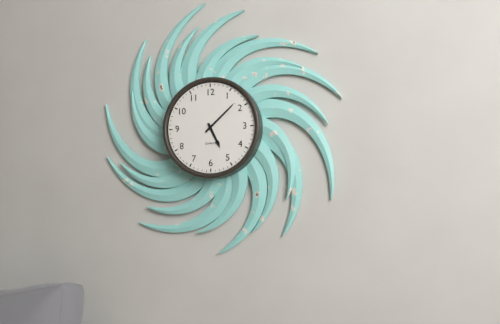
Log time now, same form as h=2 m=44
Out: h=5 m=8
